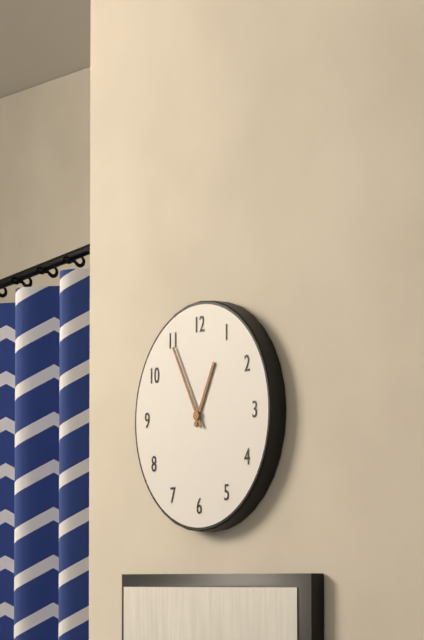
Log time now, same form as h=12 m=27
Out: h=12 m=55
